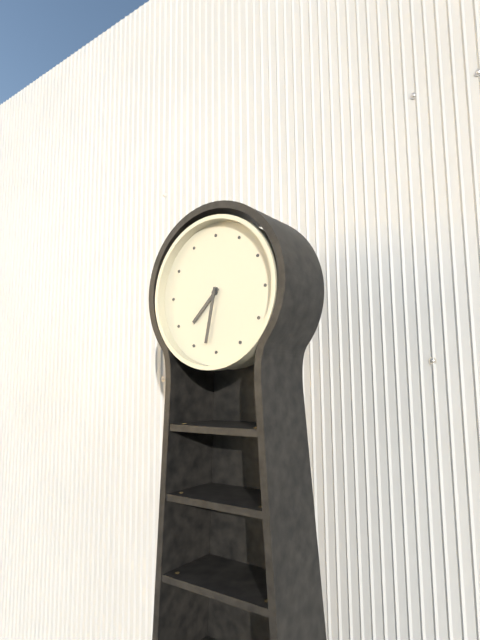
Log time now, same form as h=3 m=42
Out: h=7 m=32
